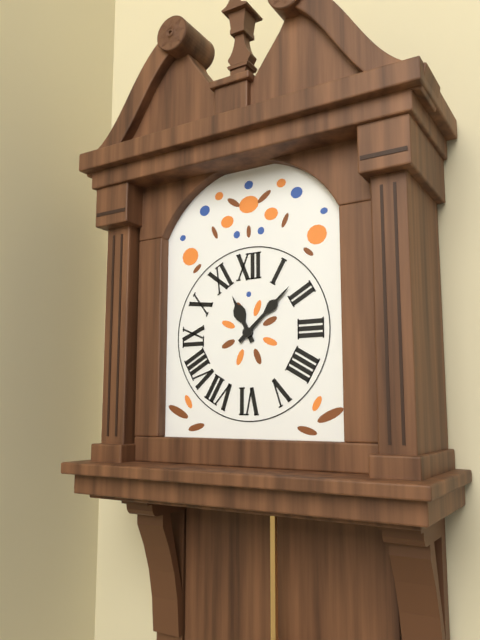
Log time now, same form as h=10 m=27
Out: h=11 m=8
